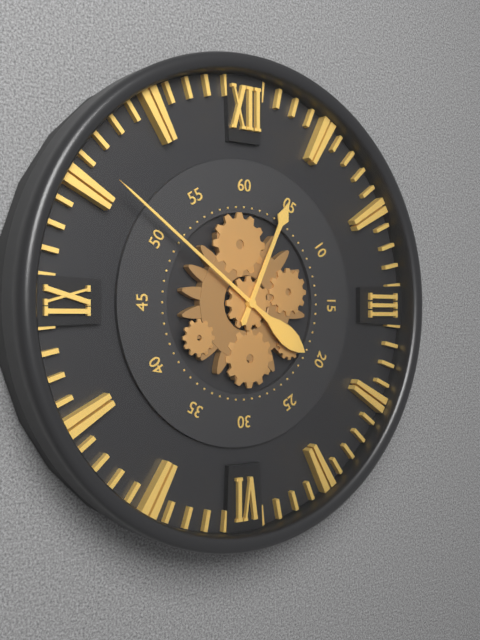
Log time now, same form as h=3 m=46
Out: h=12 m=51
